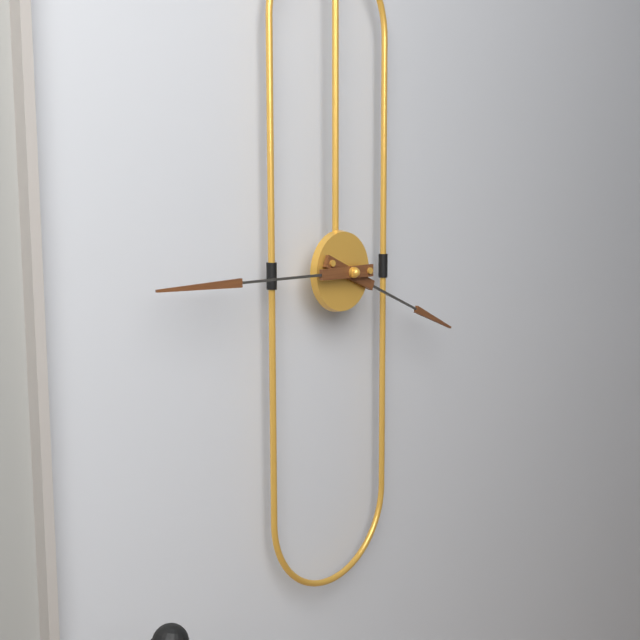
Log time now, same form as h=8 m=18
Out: h=3 m=45
